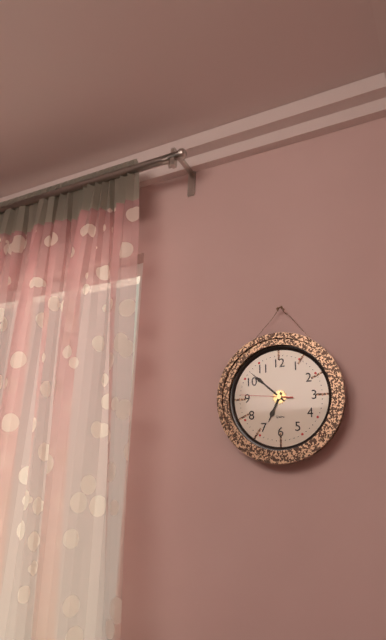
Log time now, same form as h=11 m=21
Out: h=6 m=52
